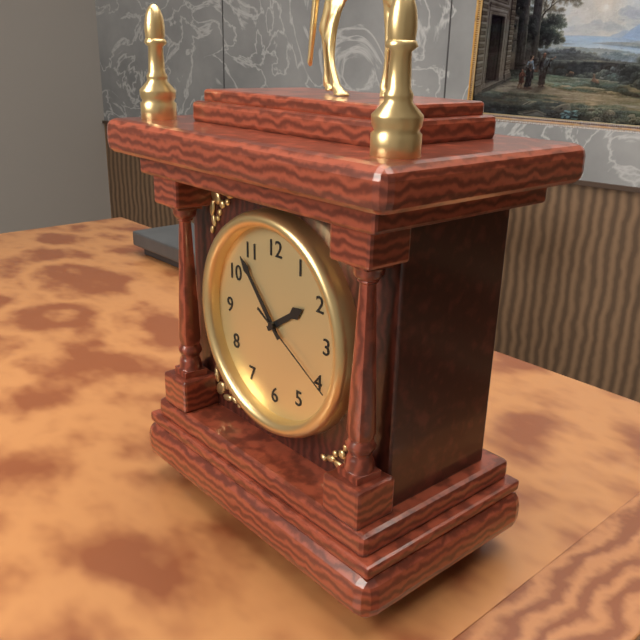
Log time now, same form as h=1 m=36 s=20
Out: h=1 m=53 s=20
